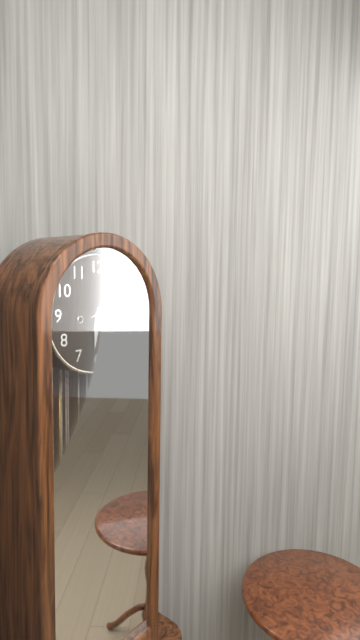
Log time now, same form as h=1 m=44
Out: h=6 m=12
